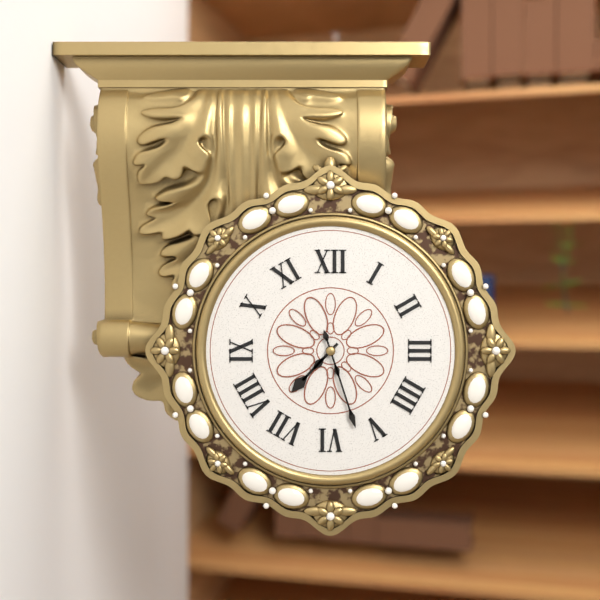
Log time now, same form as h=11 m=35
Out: h=7 m=27
